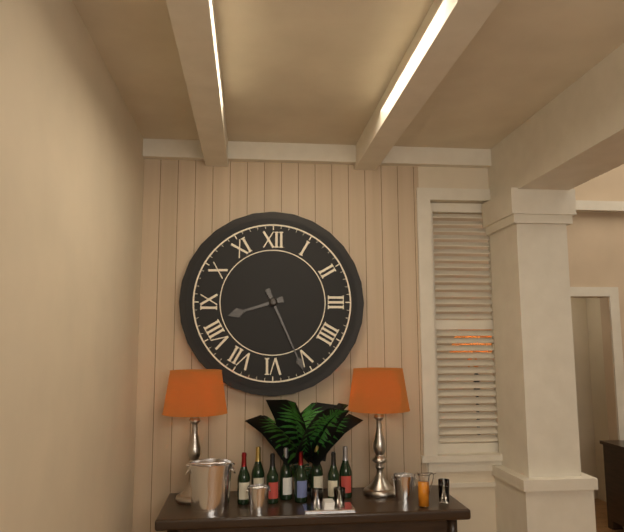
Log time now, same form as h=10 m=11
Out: h=8 m=26
